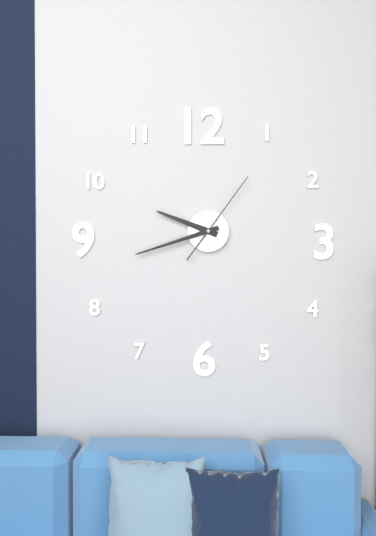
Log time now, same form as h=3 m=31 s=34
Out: h=9 m=42 s=6
